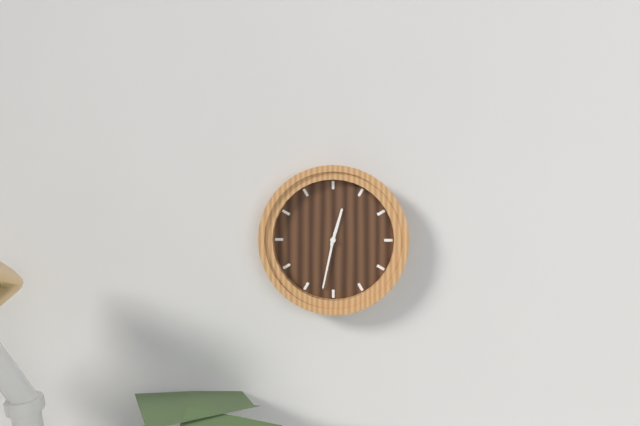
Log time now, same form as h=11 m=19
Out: h=12 m=32
